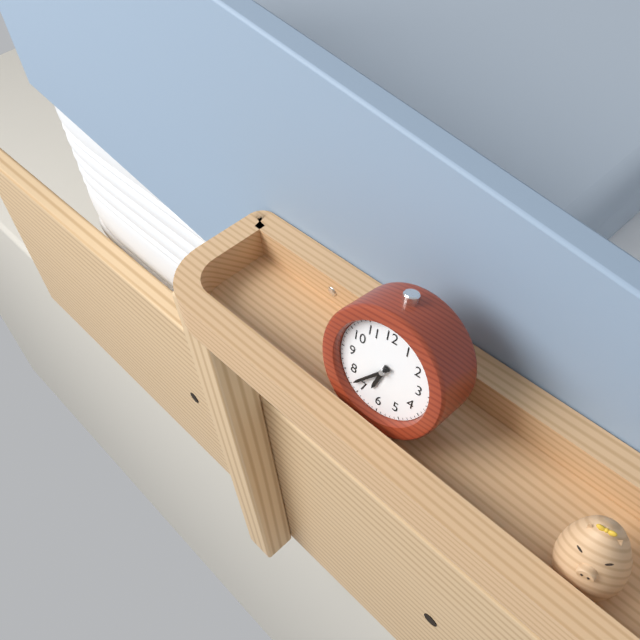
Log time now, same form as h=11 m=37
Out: h=6 m=37
